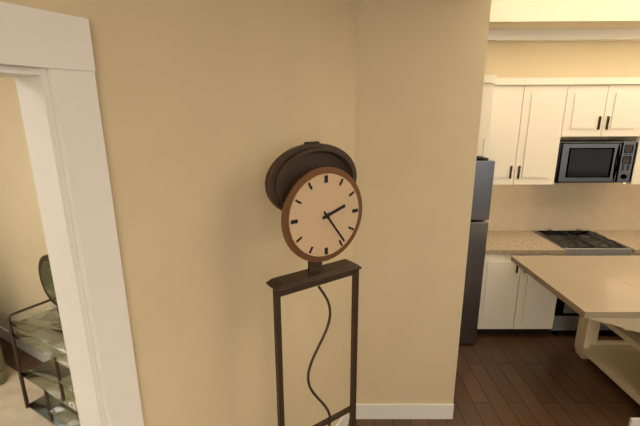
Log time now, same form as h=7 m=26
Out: h=2 m=24
